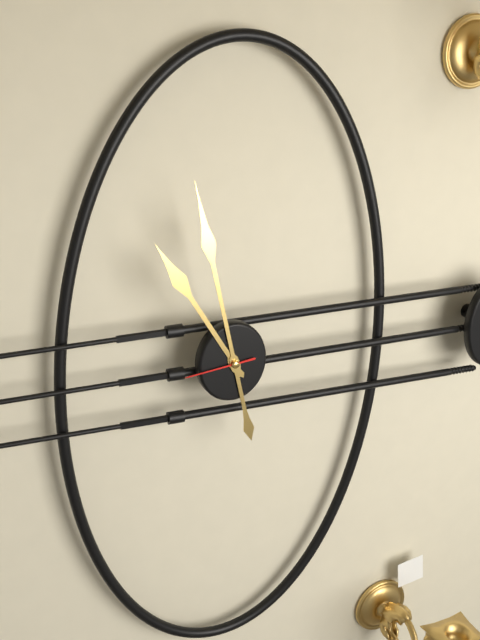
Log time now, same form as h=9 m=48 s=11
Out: h=10 m=58 s=44
